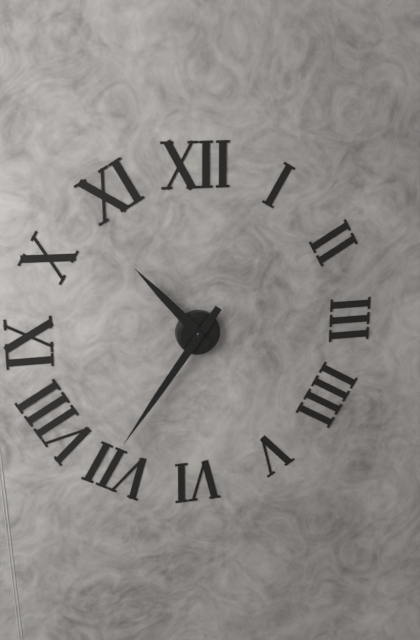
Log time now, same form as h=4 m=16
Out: h=10 m=36
